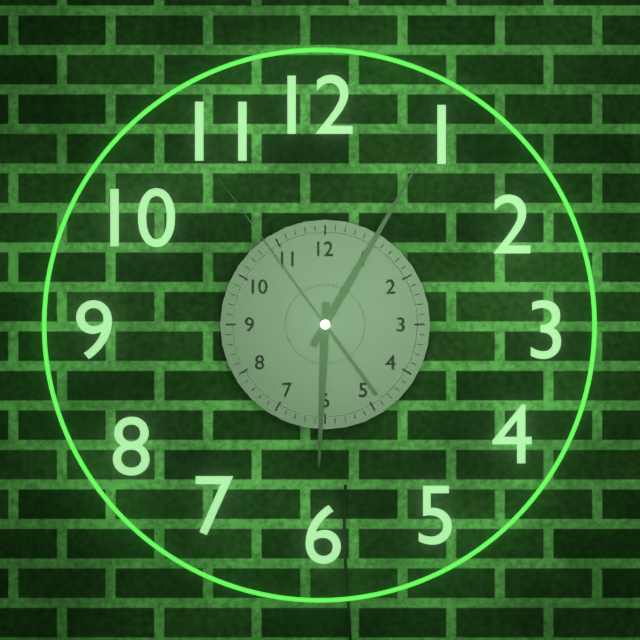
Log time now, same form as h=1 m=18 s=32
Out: h=6 m=5 s=54
